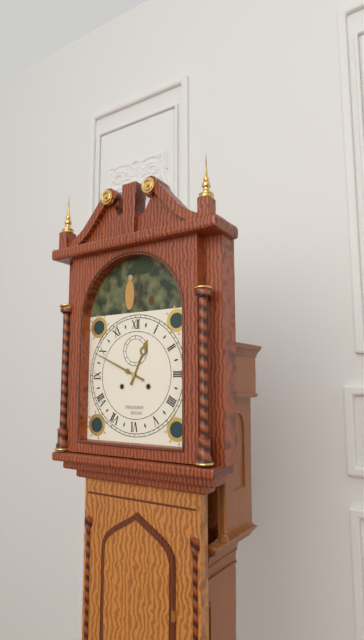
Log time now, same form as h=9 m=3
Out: h=12 m=49
